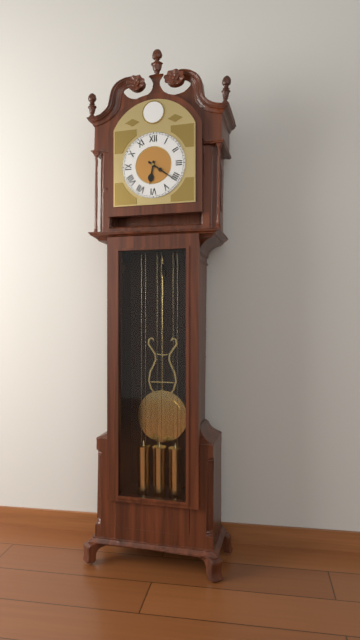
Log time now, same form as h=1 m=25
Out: h=6 m=21
